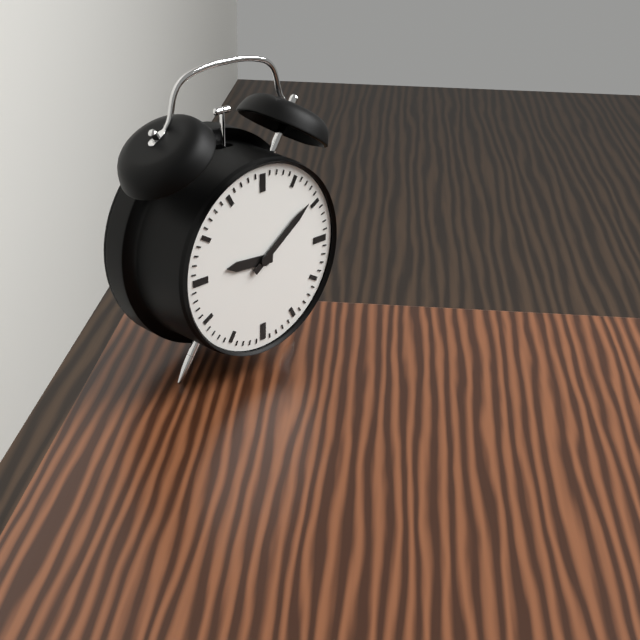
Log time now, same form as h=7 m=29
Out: h=9 m=9
